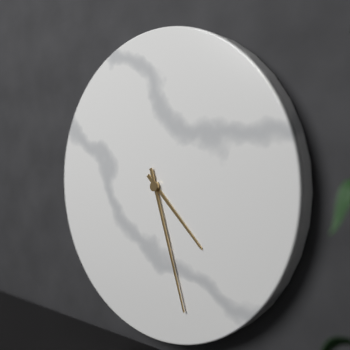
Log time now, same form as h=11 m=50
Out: h=4 m=27
